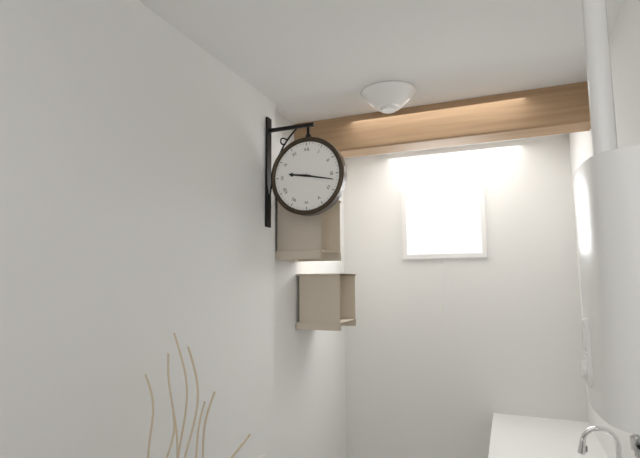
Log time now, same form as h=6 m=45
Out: h=9 m=17
